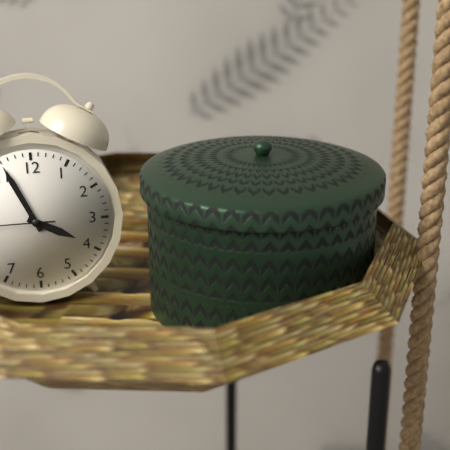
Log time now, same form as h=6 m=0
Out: h=3 m=56
